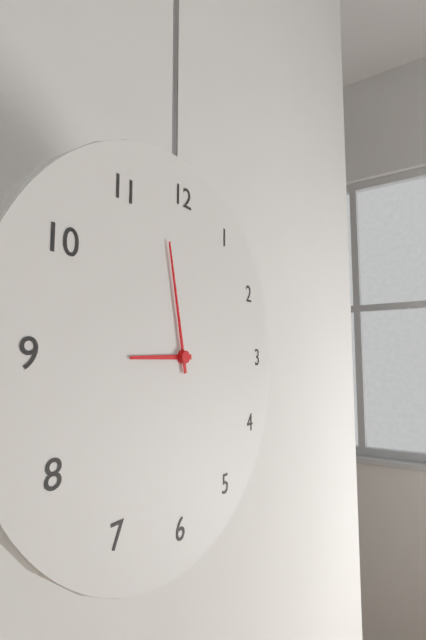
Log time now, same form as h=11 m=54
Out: h=8 m=58
